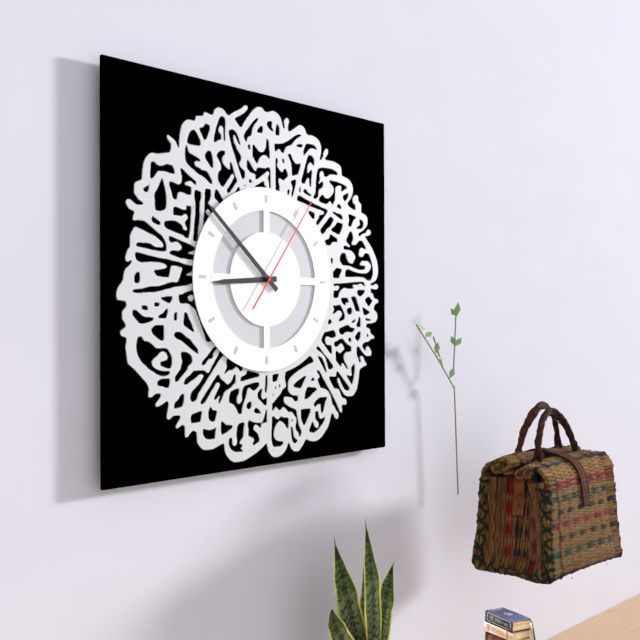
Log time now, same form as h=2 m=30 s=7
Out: h=8 m=52 s=6
